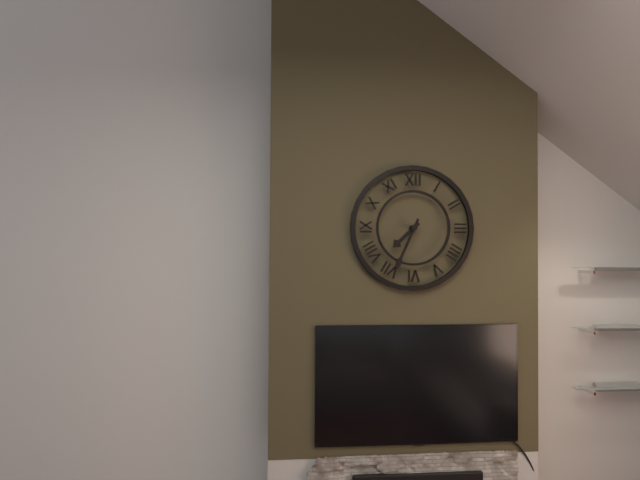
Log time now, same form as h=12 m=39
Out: h=7 m=34
